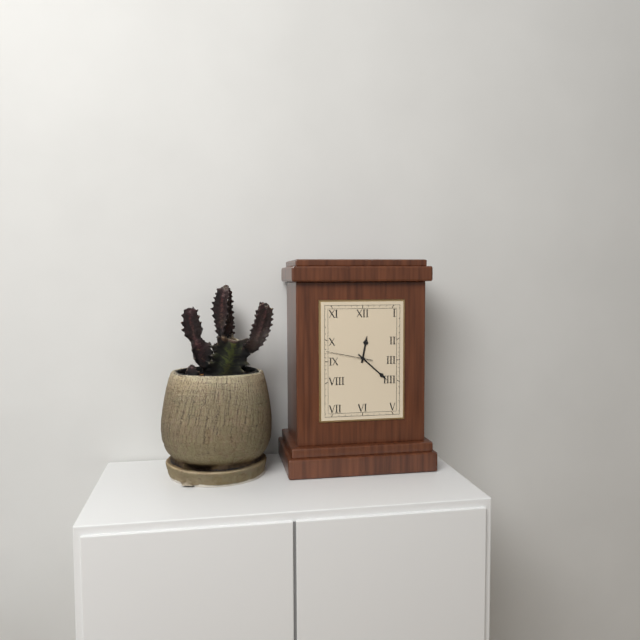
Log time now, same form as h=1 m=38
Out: h=12 m=22
